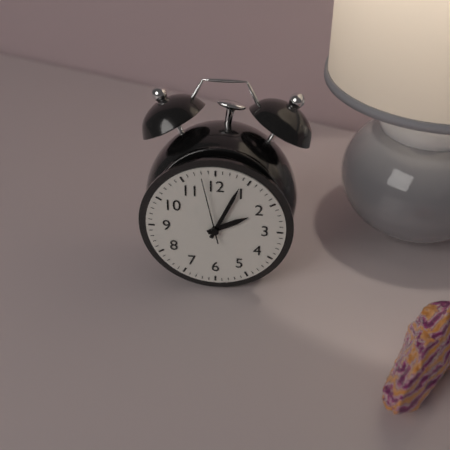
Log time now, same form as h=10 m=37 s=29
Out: h=2 m=4 s=58
